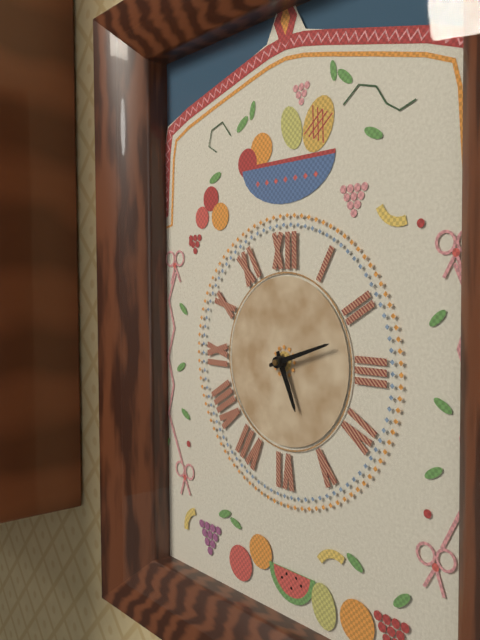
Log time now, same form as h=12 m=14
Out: h=5 m=12
